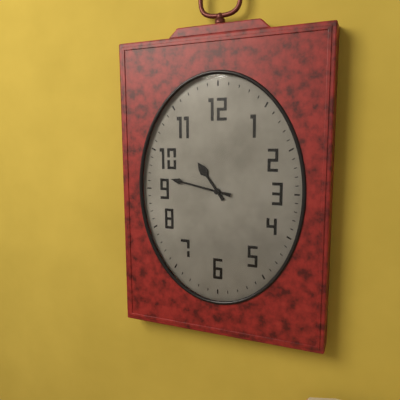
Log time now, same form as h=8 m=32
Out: h=10 m=47
